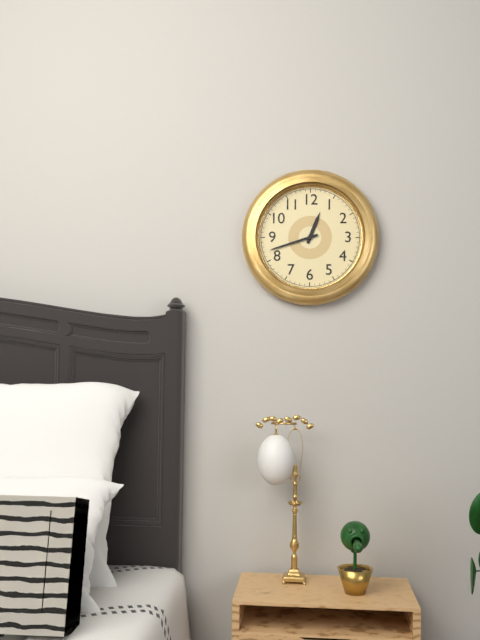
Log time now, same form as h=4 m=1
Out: h=12 m=42
